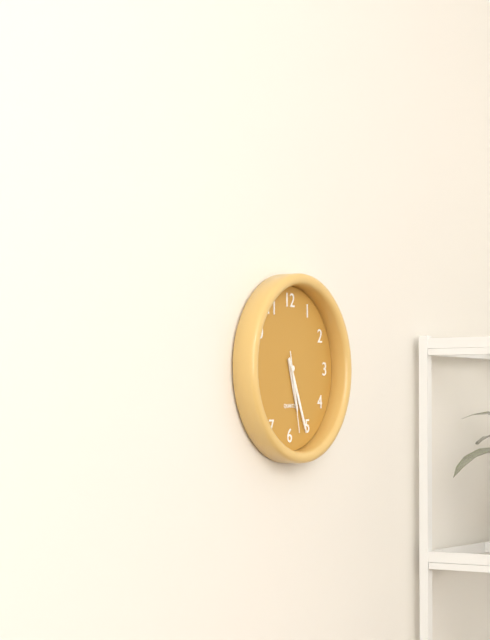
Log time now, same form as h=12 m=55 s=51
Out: h=5 m=26 s=28
